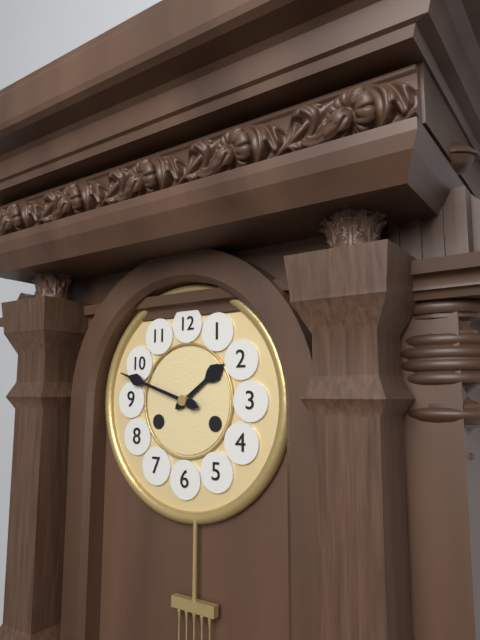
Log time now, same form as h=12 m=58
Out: h=1 m=48
